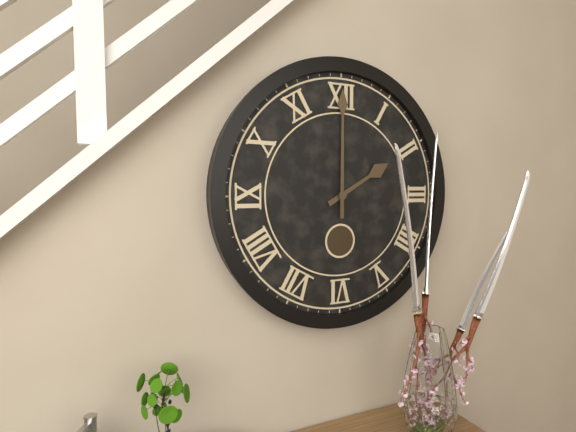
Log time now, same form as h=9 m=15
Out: h=2 m=0
